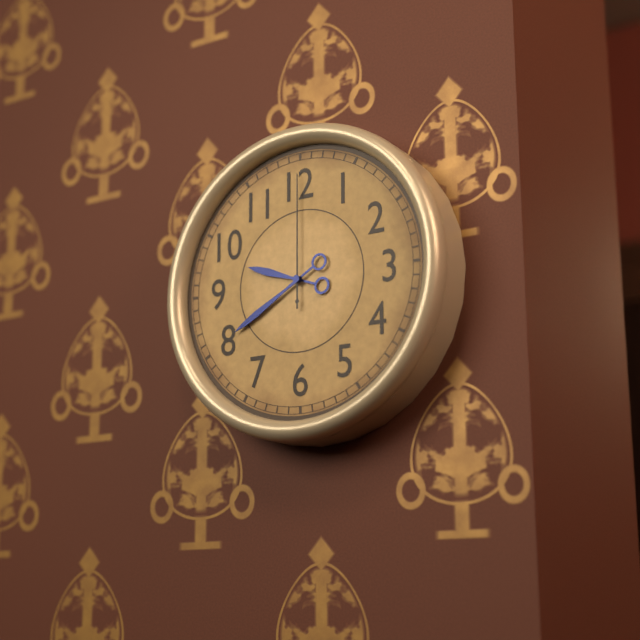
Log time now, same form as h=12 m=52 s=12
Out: h=9 m=40 s=0
